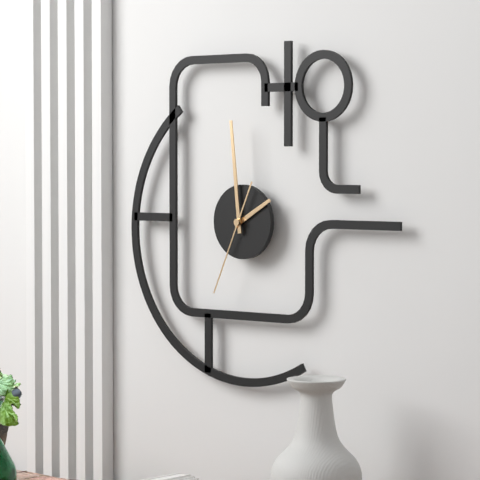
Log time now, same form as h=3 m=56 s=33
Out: h=1 m=59 s=34
